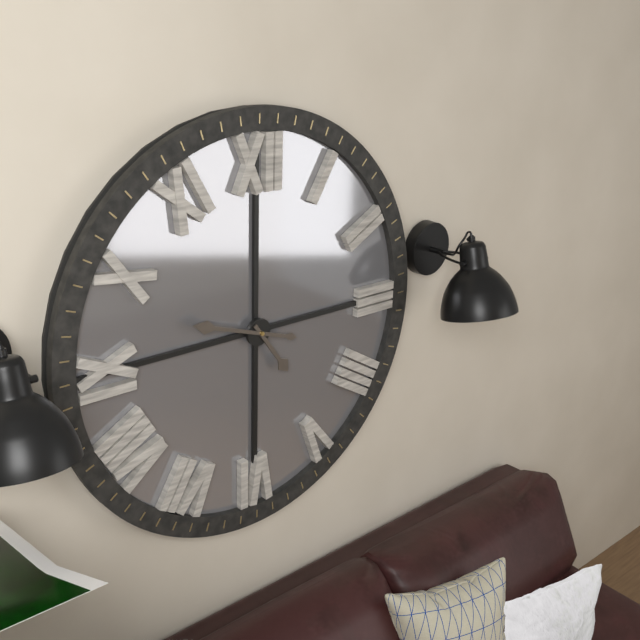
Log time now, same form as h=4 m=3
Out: h=4 m=48
